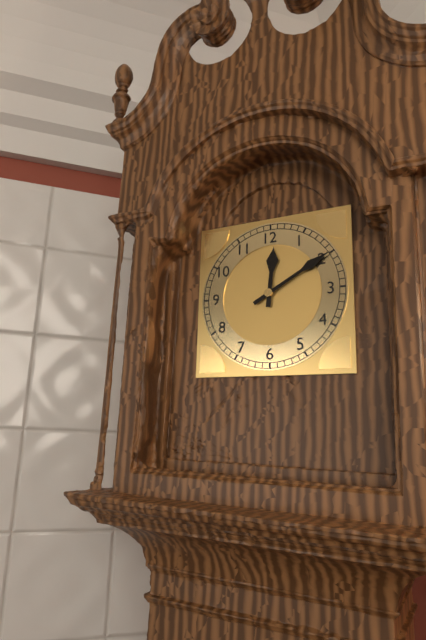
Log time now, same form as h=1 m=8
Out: h=12 m=10
